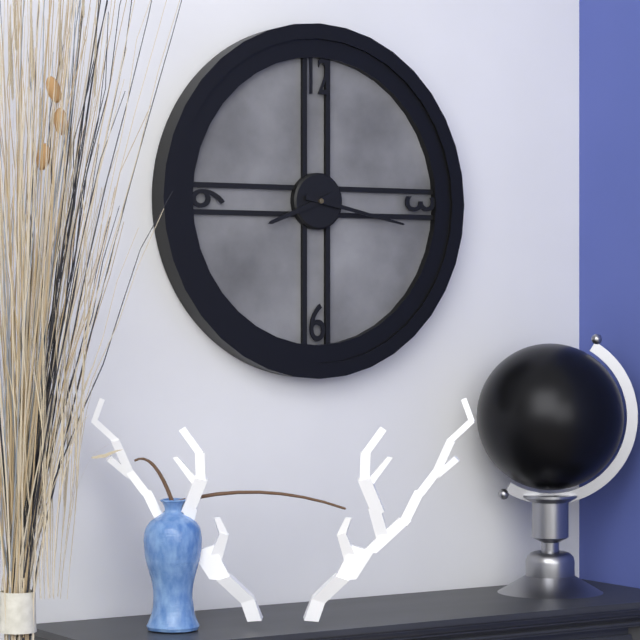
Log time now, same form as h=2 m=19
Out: h=8 m=17
